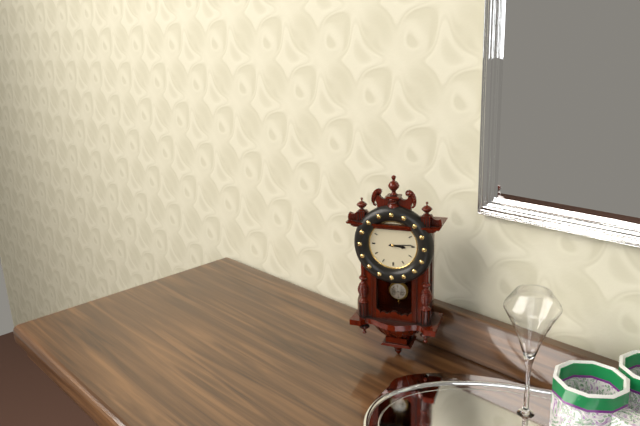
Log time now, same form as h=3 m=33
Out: h=3 m=14
